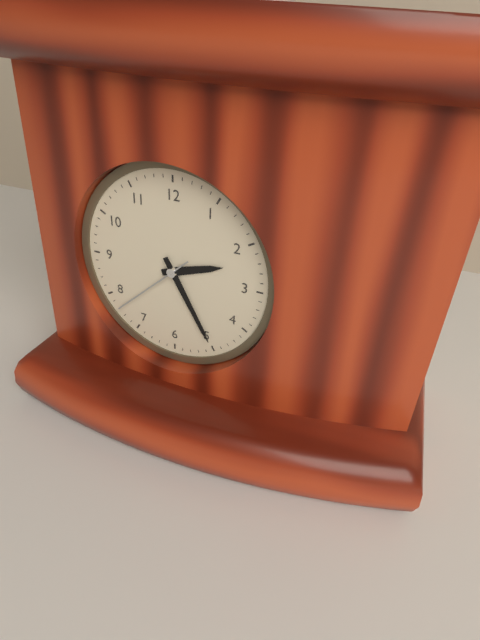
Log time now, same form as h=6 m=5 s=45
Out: h=2 m=25 s=38
